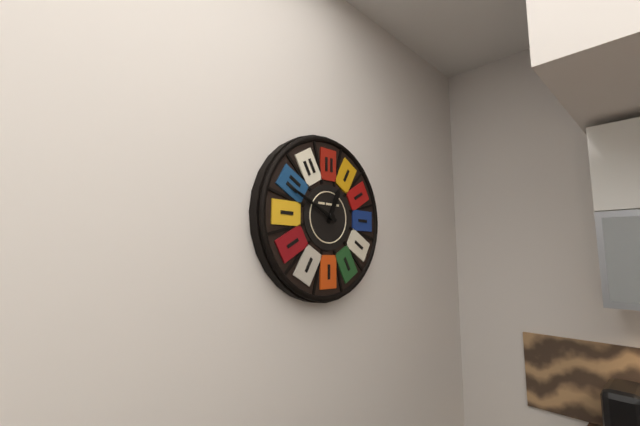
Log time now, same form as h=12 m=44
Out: h=12 m=49
